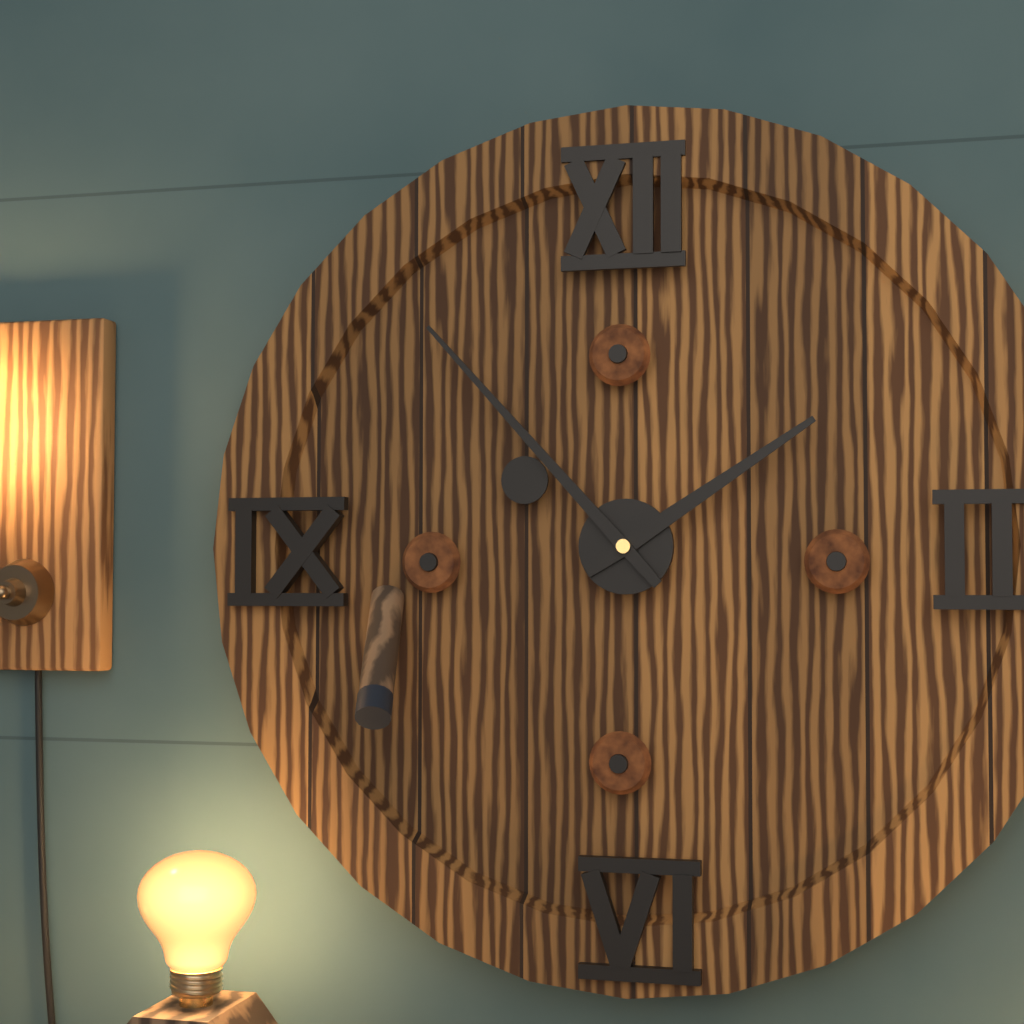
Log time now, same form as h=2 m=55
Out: h=1 m=53
